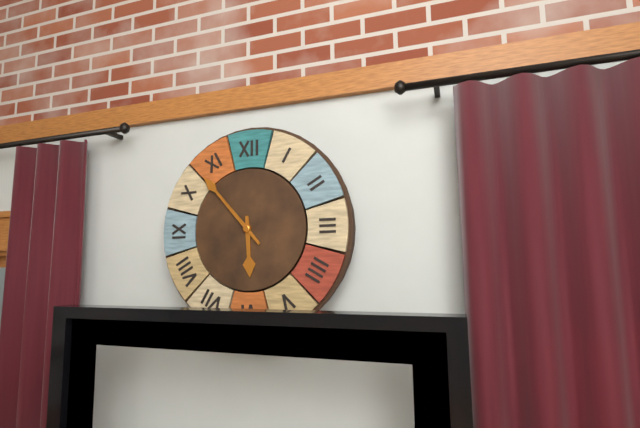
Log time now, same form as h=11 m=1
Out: h=5 m=53
